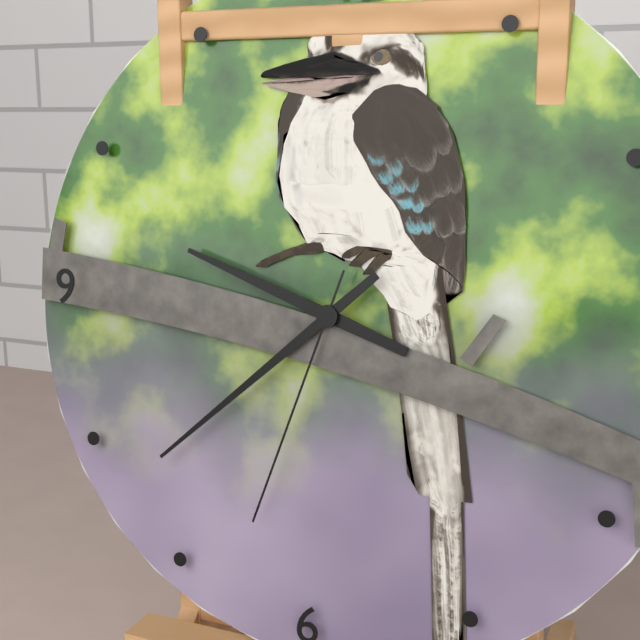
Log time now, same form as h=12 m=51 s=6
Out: h=9 m=38 s=33
